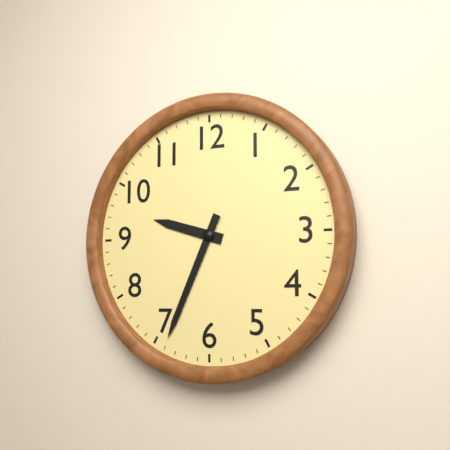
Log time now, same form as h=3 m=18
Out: h=9 m=34
